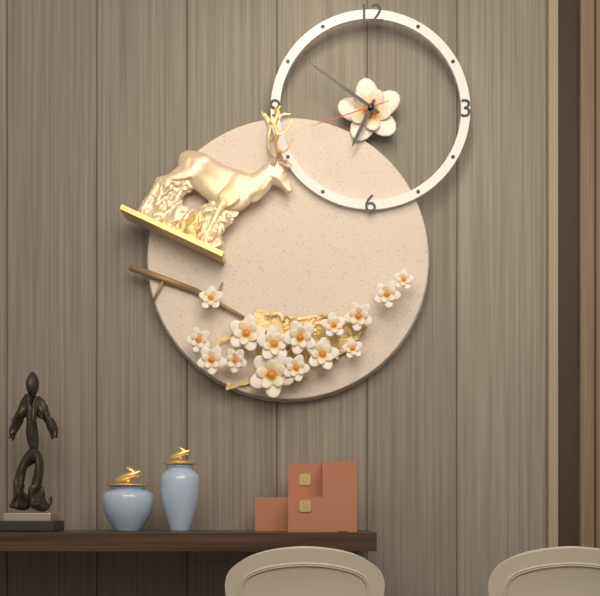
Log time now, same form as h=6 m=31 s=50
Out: h=6 m=51 s=42
